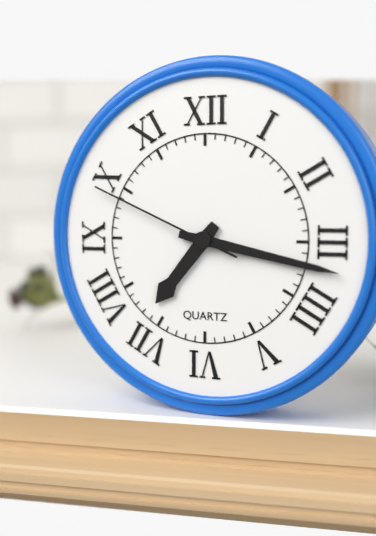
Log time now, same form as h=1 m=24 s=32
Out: h=7 m=17 s=49
